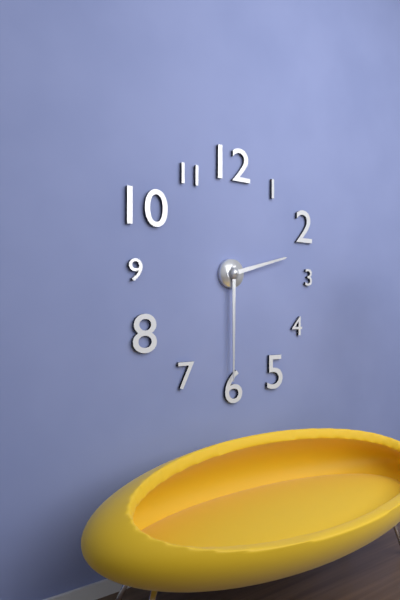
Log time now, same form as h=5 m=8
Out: h=2 m=30
